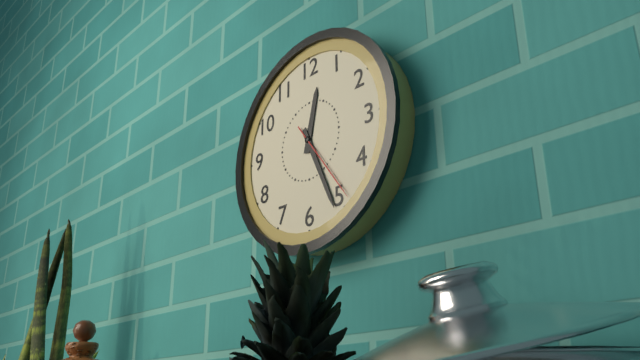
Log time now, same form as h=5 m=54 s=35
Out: h=12 m=26 s=24
